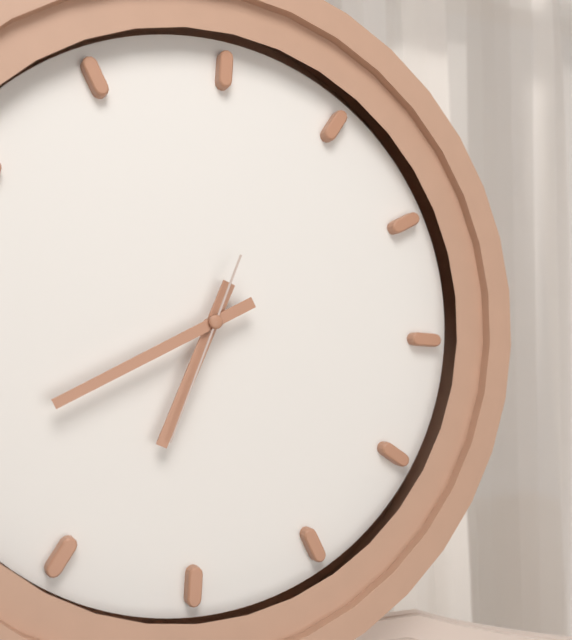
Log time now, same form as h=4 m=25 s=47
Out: h=6 m=40 s=33
